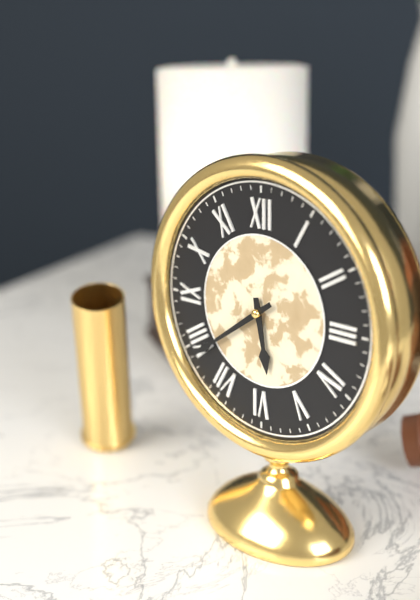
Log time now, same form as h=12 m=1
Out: h=5 m=39
